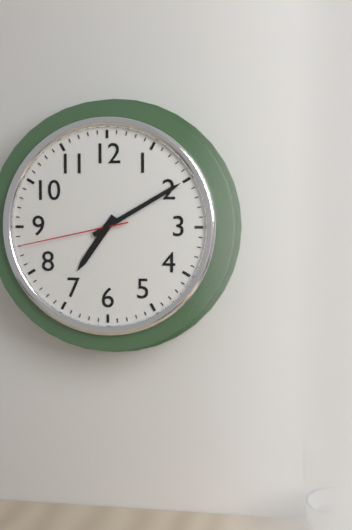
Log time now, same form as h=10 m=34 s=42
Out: h=7 m=10 s=43
